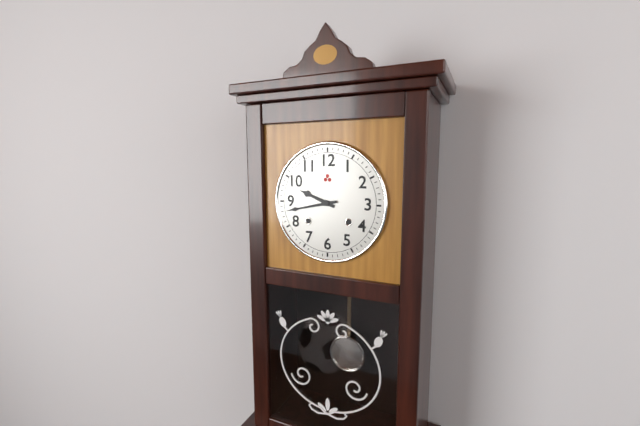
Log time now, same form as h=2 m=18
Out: h=9 m=43
